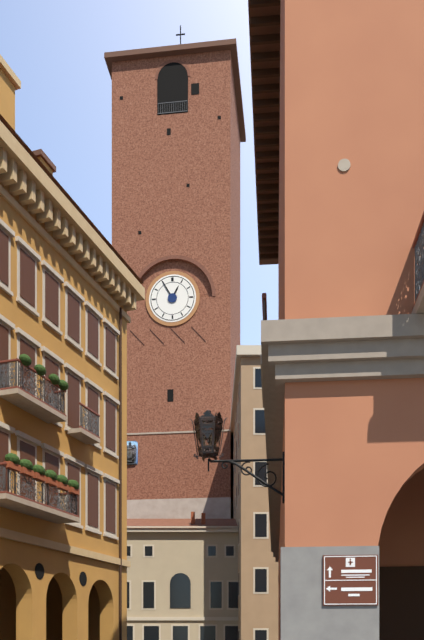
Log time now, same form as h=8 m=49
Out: h=12 m=55
